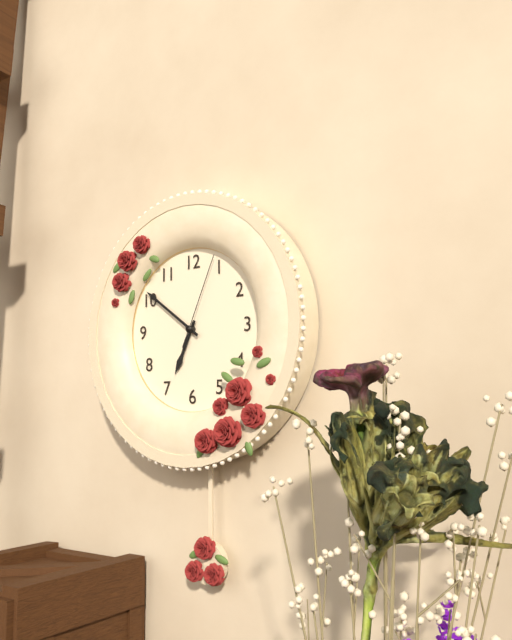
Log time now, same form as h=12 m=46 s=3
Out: h=6 m=51 s=4
